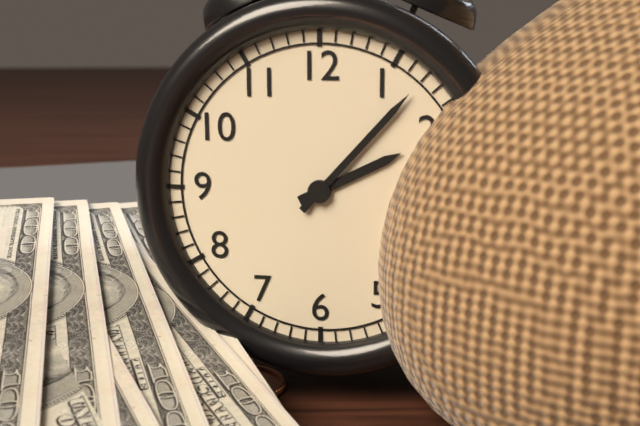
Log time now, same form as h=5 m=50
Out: h=2 m=7
